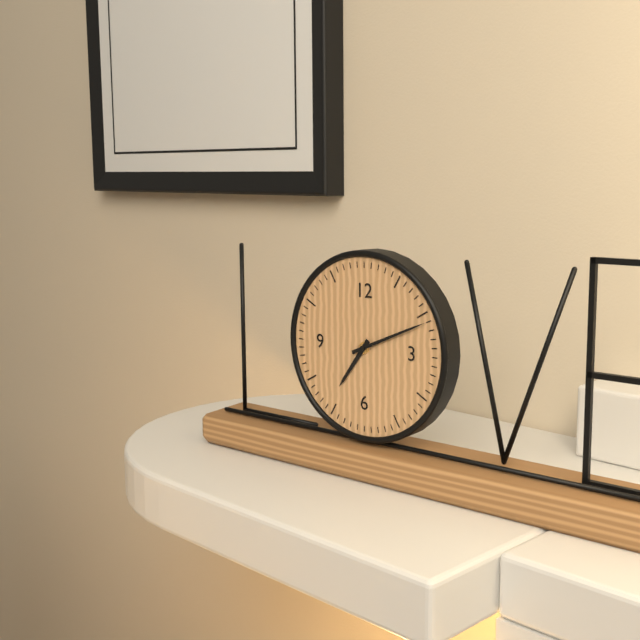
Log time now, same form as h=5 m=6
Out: h=7 m=11
